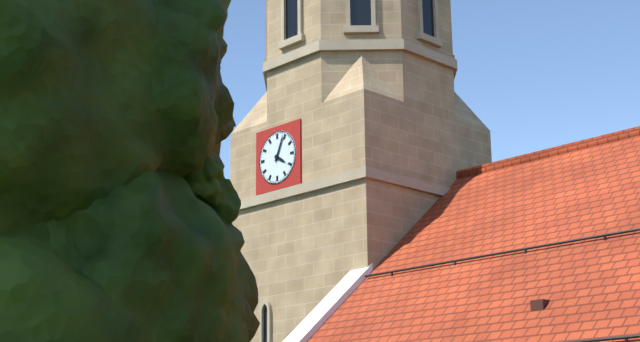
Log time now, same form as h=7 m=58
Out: h=4 m=4
